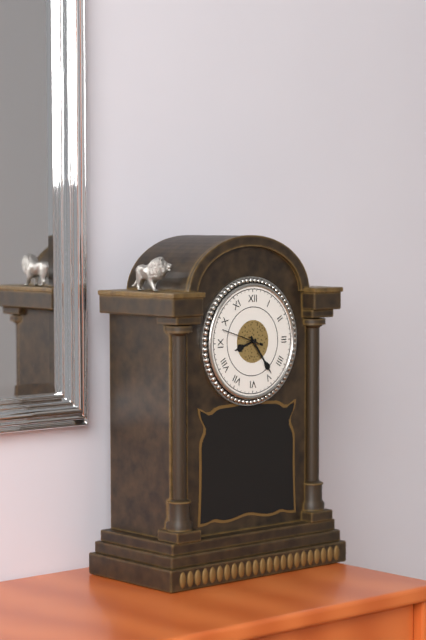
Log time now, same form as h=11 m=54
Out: h=8 m=24
